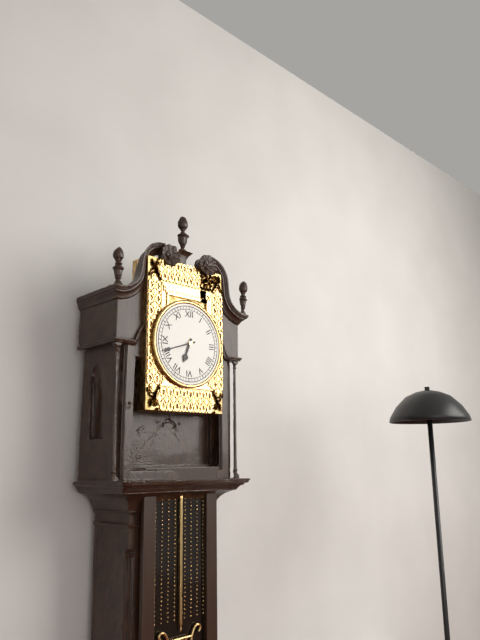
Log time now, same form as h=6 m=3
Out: h=6 m=42
